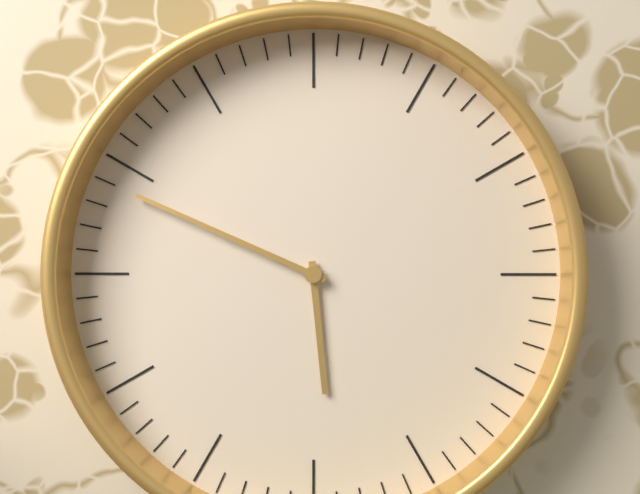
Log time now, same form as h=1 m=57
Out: h=5 m=49
